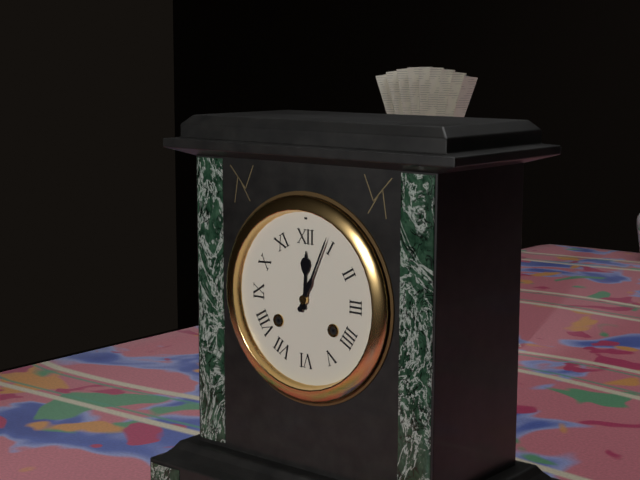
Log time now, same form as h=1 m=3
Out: h=12 m=4
